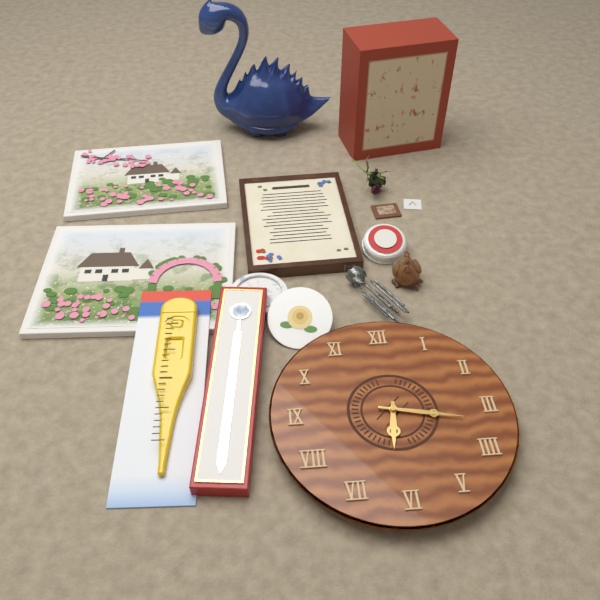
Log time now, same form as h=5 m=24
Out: h=6 m=17
